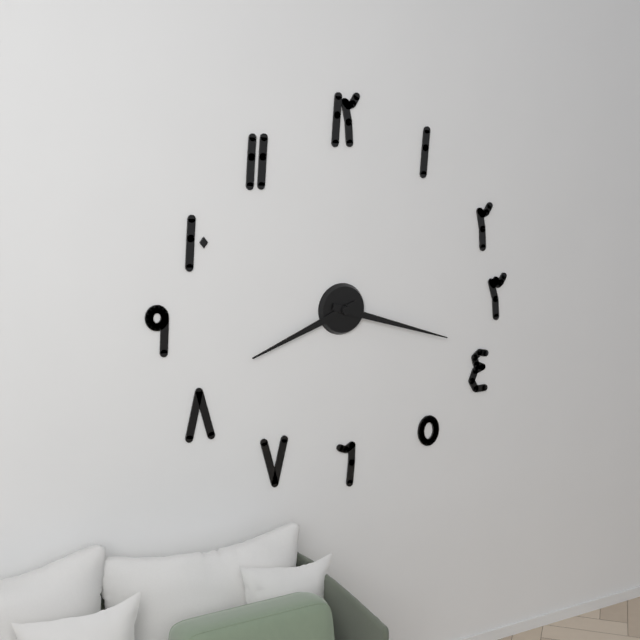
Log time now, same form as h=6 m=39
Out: h=8 m=18
